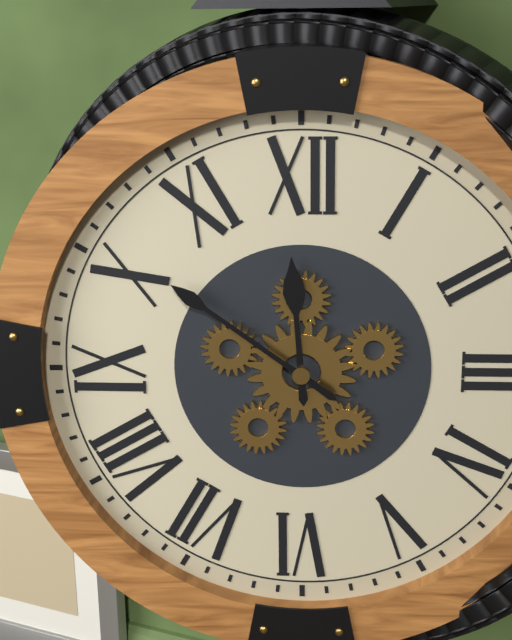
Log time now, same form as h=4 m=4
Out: h=11 m=51
